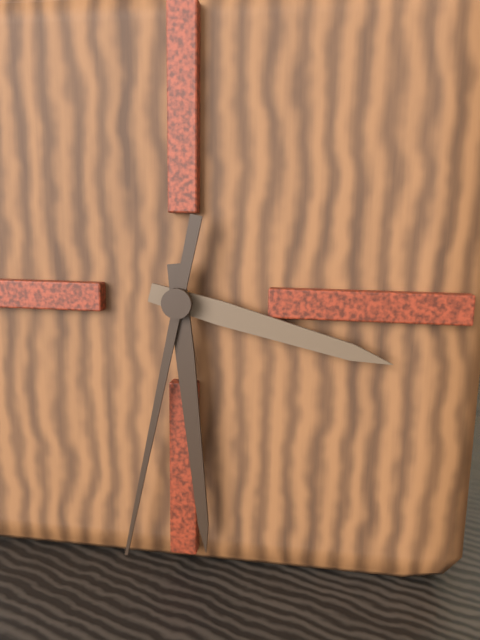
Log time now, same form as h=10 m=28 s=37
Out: h=3 m=29 s=32
